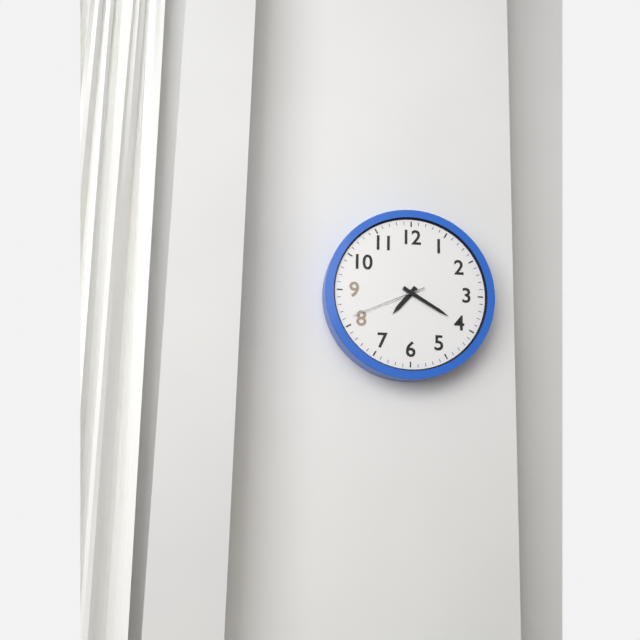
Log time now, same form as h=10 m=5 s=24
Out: h=7 m=20 s=41
